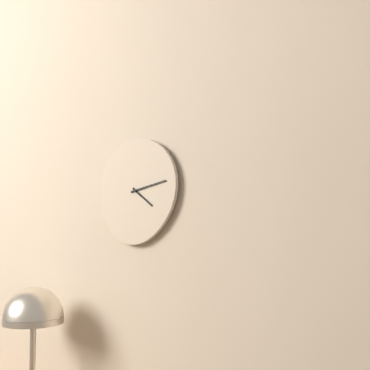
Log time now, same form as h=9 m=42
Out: h=4 m=13
